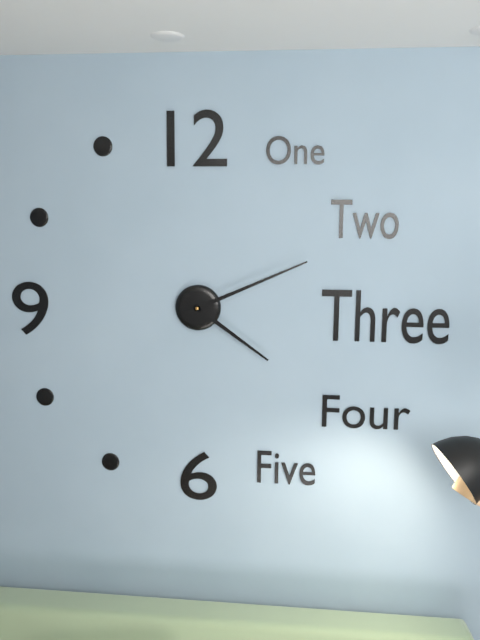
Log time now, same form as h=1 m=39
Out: h=4 m=11
